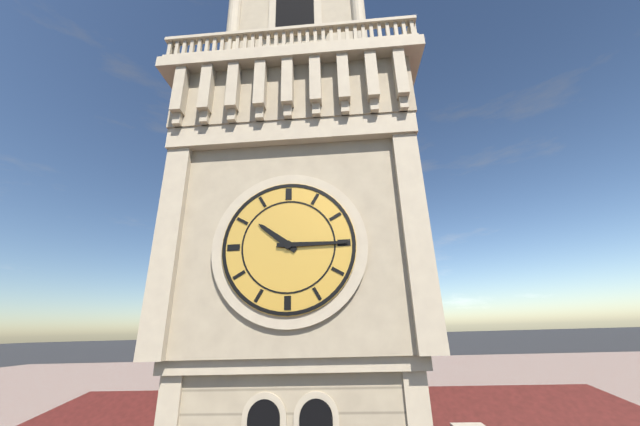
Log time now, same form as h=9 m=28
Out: h=10 m=15
